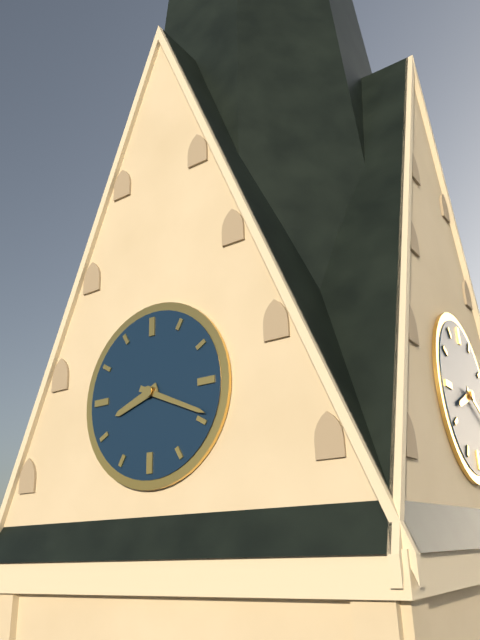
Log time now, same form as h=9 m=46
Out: h=8 m=19
